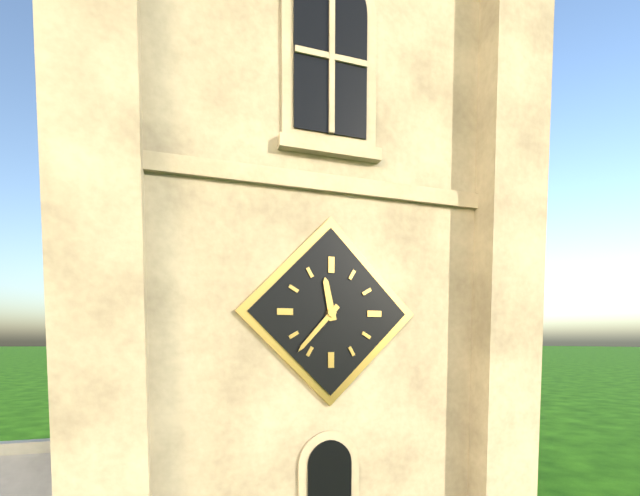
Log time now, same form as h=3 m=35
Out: h=11 m=37
